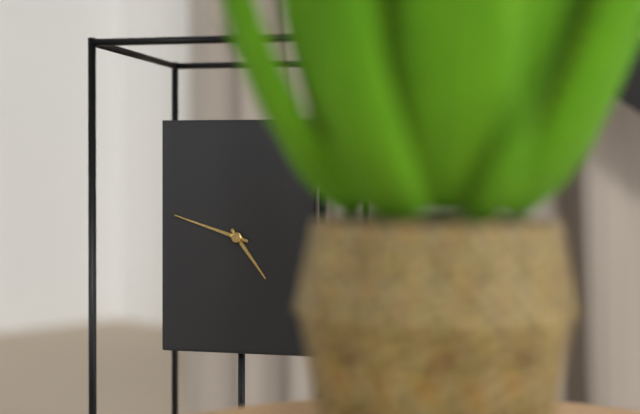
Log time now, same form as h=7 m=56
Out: h=4 m=48
